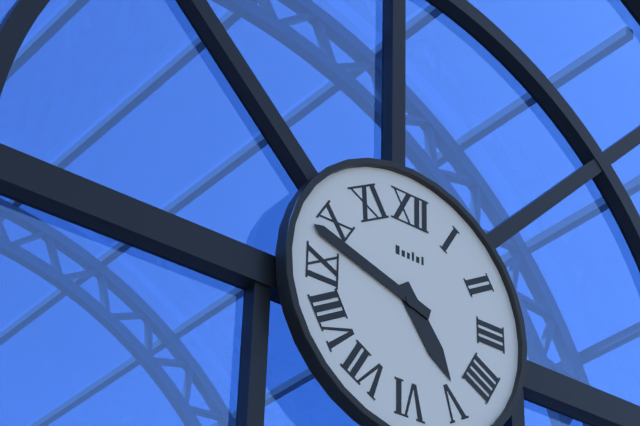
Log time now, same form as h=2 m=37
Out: h=4 m=48
